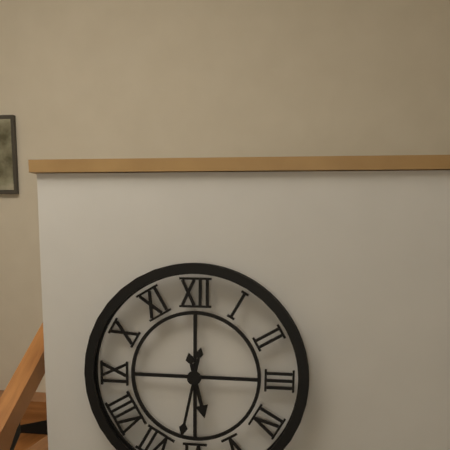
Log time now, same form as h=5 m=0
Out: h=5 m=32
